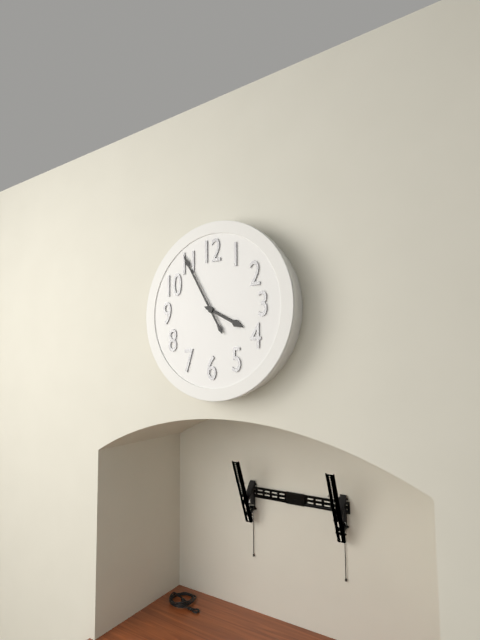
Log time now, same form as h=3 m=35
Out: h=3 m=55
